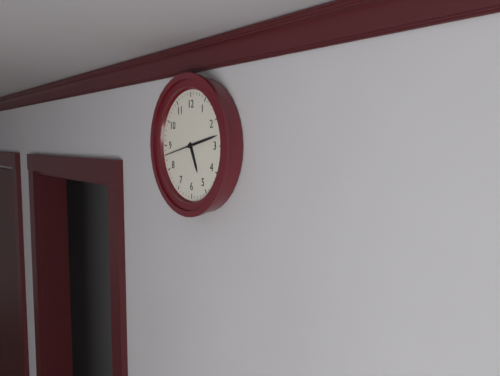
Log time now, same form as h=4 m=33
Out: h=5 m=13
